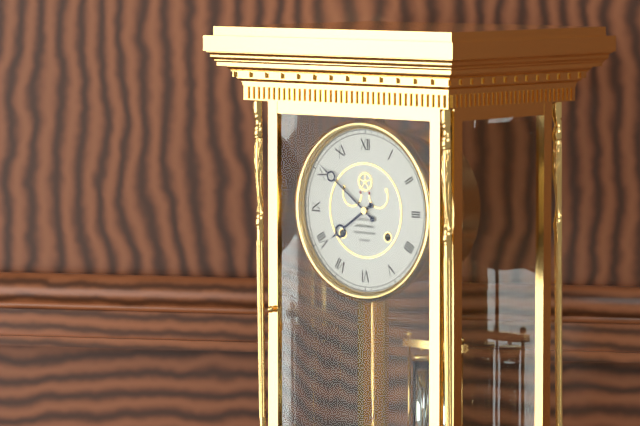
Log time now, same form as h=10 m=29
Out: h=7 m=51
